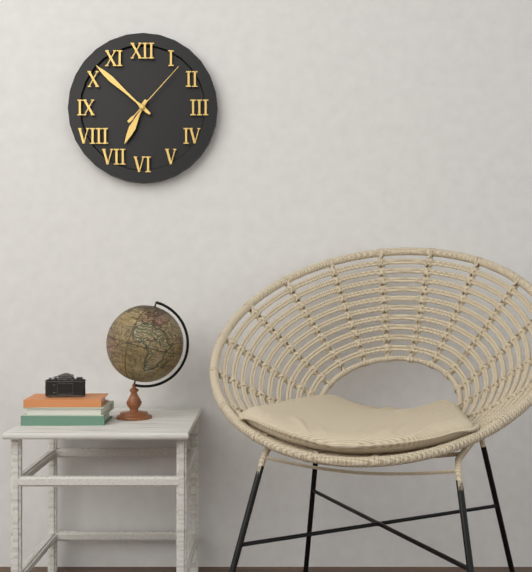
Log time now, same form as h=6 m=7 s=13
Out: h=6 m=52 s=7
